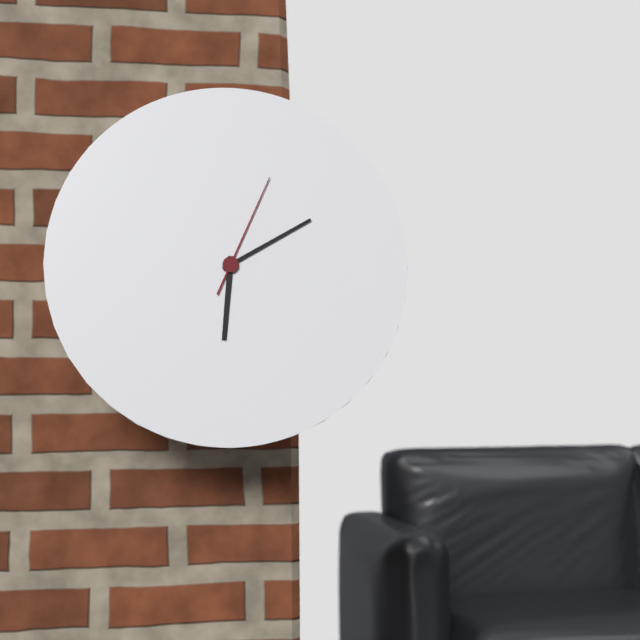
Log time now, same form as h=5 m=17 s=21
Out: h=6 m=10 s=4
